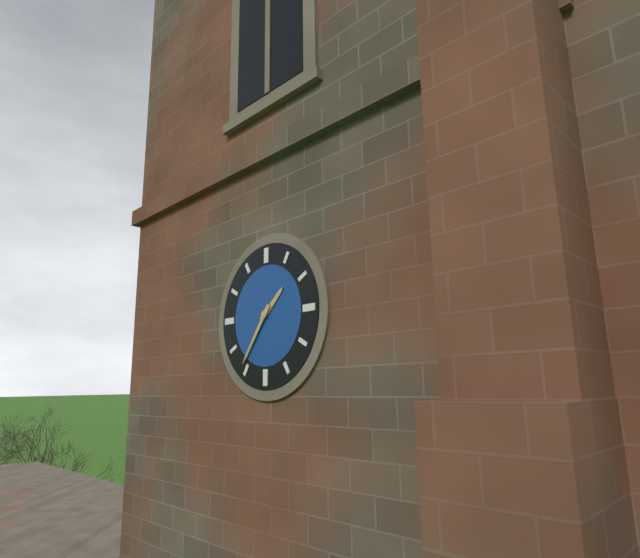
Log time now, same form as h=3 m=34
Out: h=1 m=36
